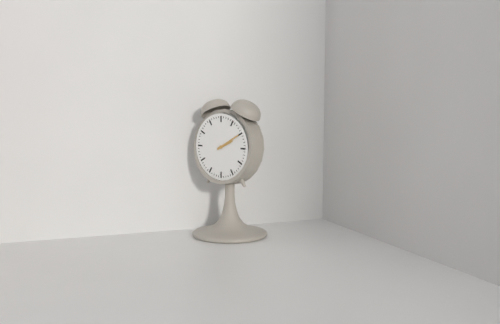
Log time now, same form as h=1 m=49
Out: h=2 m=10
